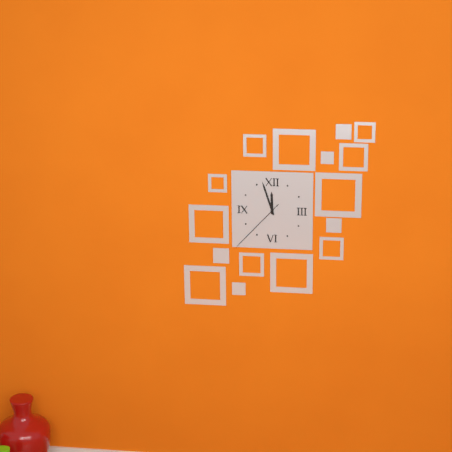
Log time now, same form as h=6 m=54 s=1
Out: h=11 m=57 s=37
